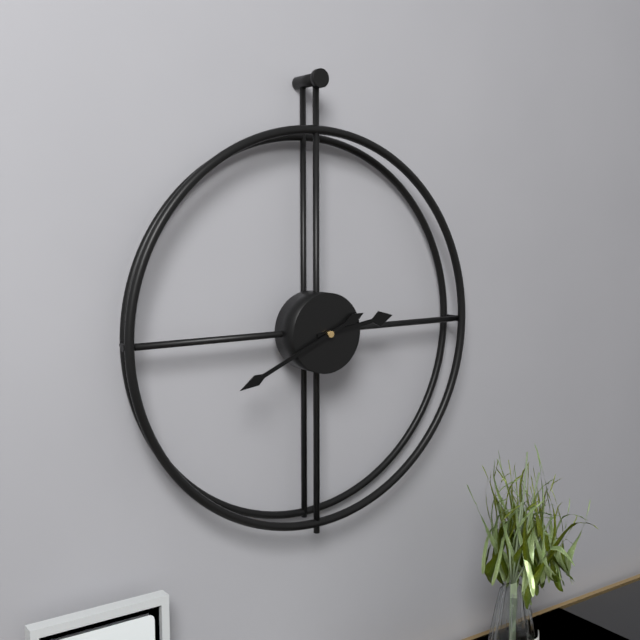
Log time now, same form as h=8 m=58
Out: h=2 m=41
